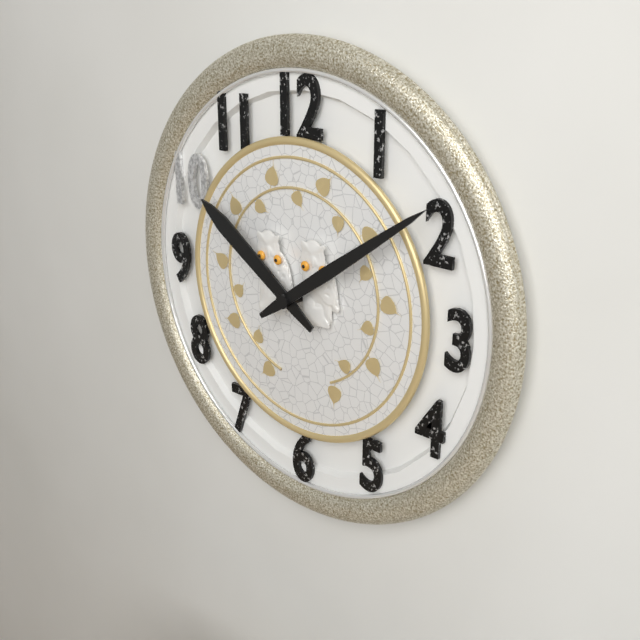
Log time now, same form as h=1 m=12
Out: h=10 m=9
